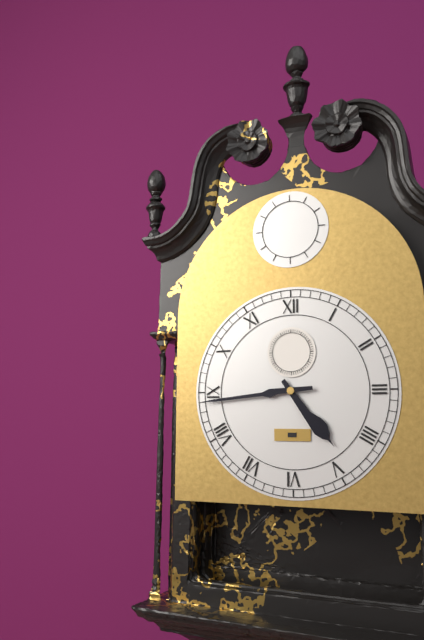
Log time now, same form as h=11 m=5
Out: h=4 m=44
